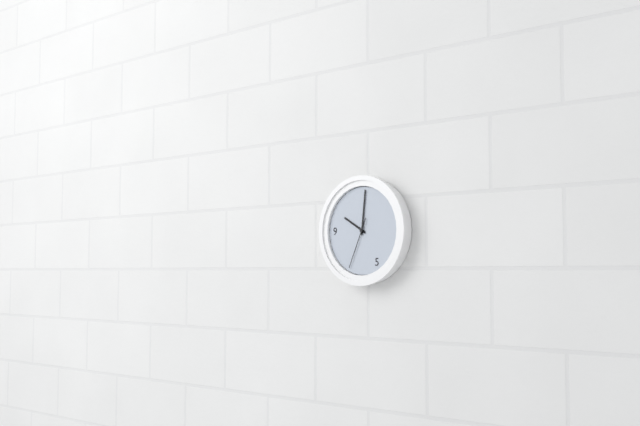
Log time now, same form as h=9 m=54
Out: h=10 m=1
